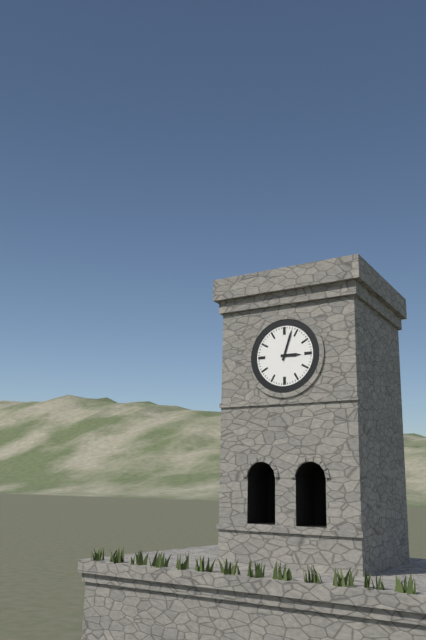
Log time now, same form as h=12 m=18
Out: h=3 m=3
